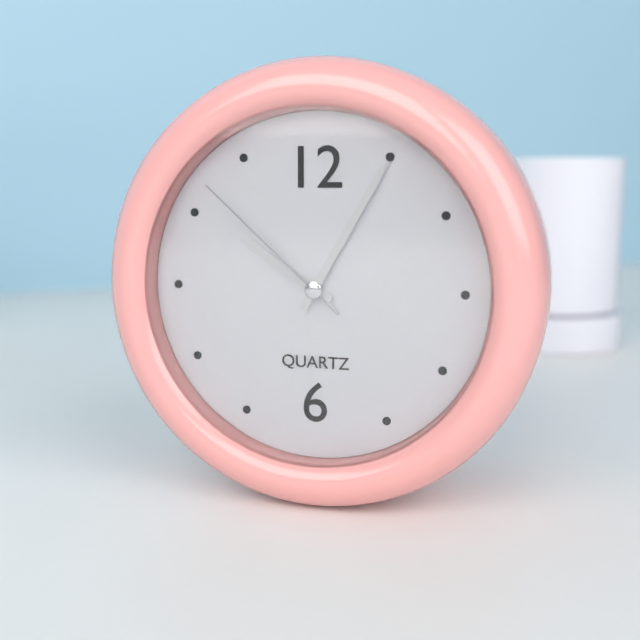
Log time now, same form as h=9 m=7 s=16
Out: h=10 m=5 s=52
